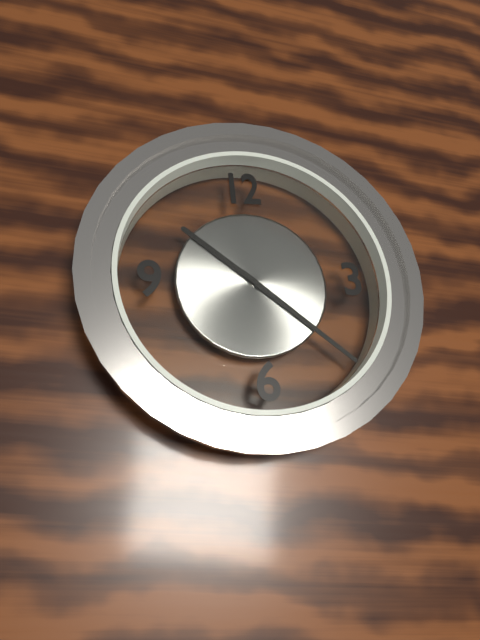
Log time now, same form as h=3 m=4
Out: h=10 m=22
